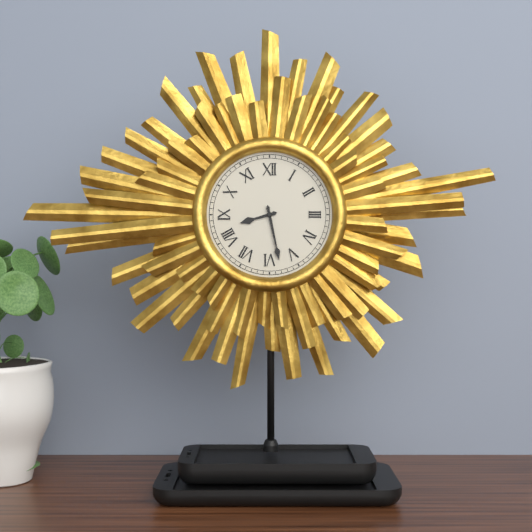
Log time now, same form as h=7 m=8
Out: h=8 m=28
